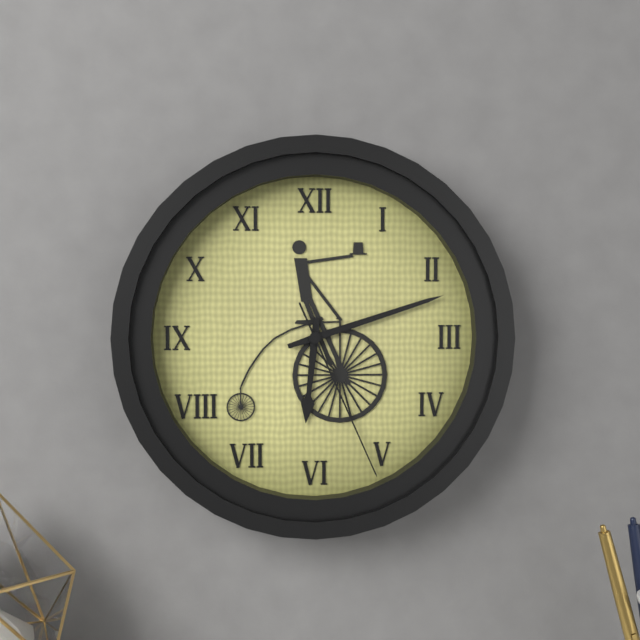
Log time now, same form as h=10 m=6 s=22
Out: h=6 m=12 s=26
